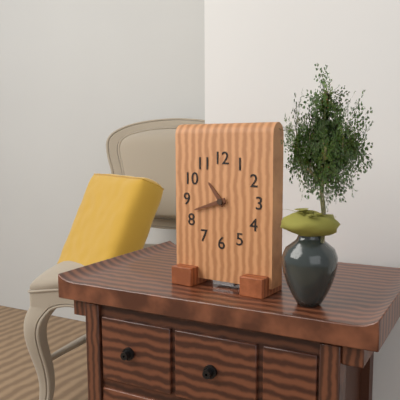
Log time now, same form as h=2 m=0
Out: h=10 m=42
